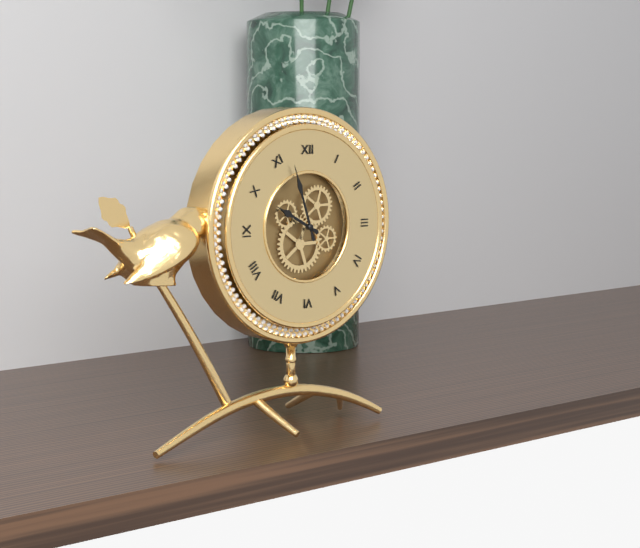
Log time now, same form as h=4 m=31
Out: h=9 m=57
